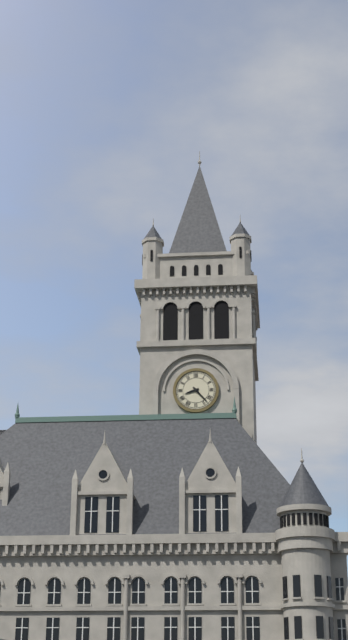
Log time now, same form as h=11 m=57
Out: h=8 m=23
